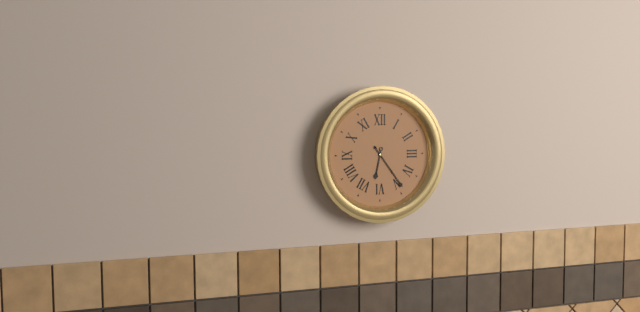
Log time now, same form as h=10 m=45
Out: h=6 m=24
